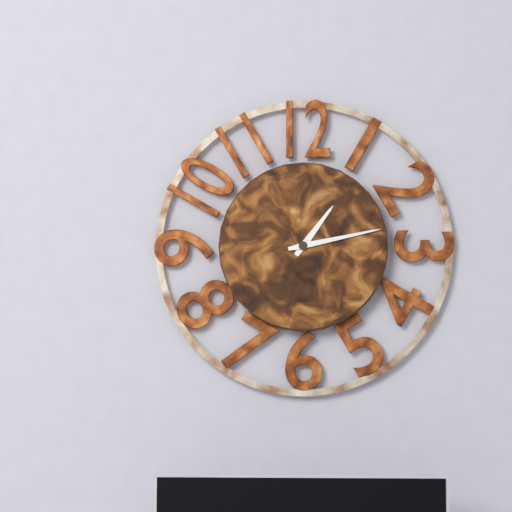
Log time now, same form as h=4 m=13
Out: h=1 m=13
